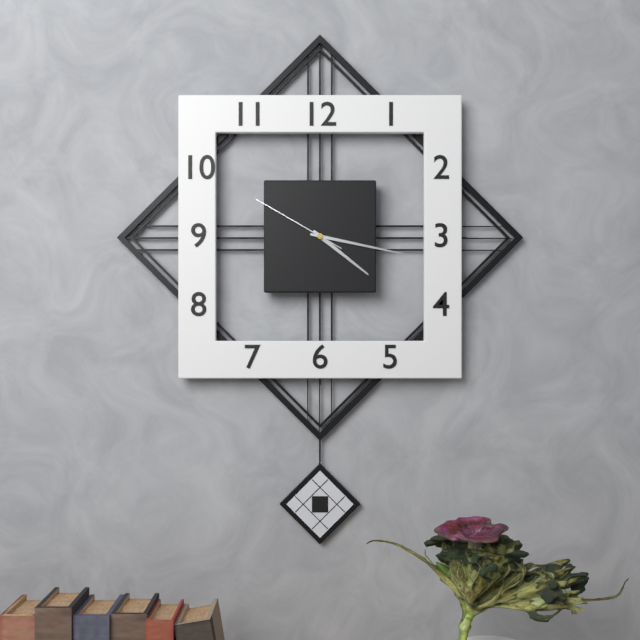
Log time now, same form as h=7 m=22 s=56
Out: h=4 m=17 s=50
